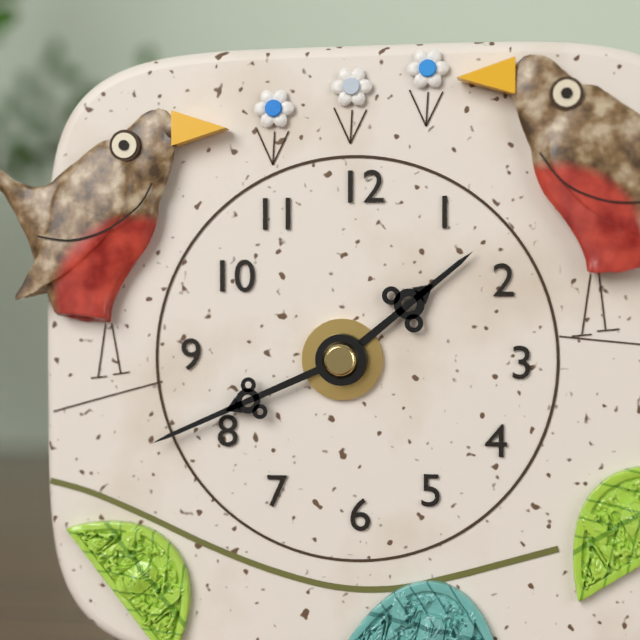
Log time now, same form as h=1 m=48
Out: h=1 m=41
